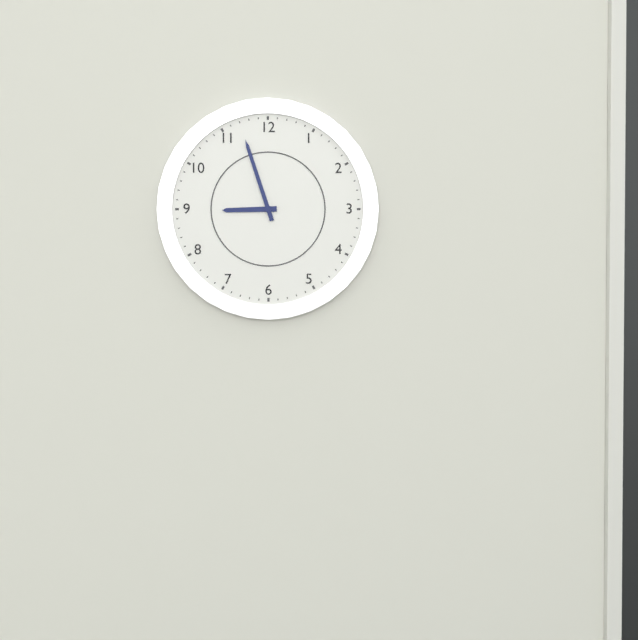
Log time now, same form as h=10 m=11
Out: h=8 m=57
